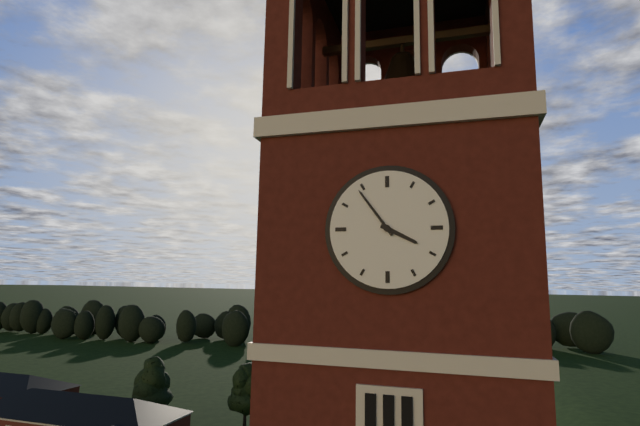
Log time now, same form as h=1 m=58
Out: h=3 m=54
